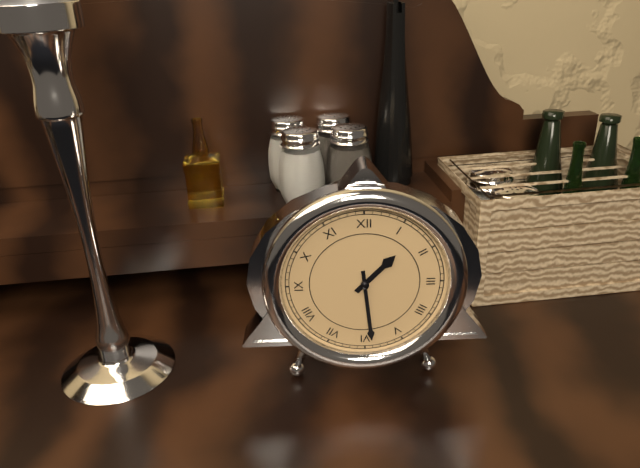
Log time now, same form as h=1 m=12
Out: h=1 m=29
